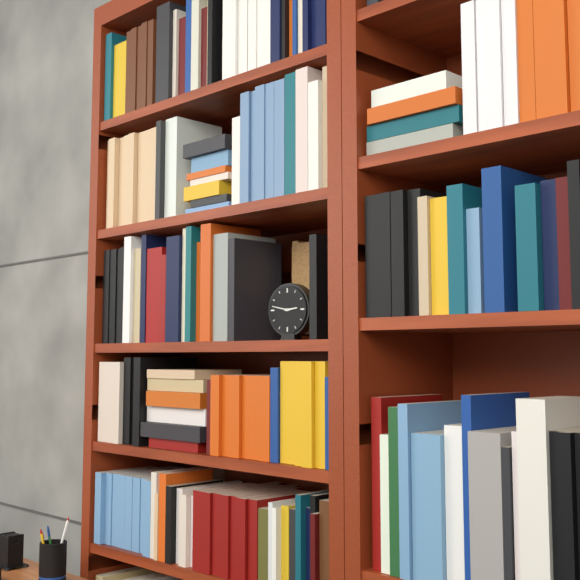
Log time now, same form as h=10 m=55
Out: h=2 m=47
